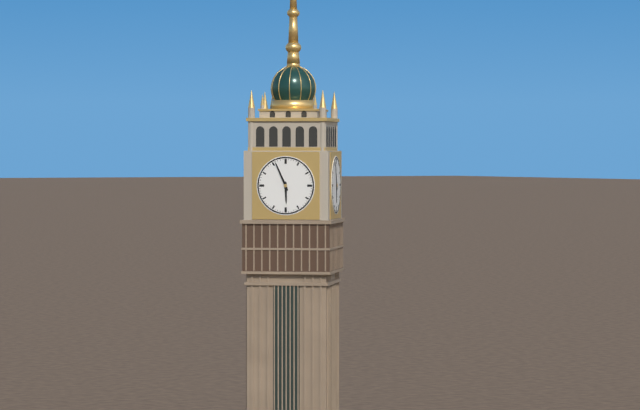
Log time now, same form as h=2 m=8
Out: h=5 m=56
